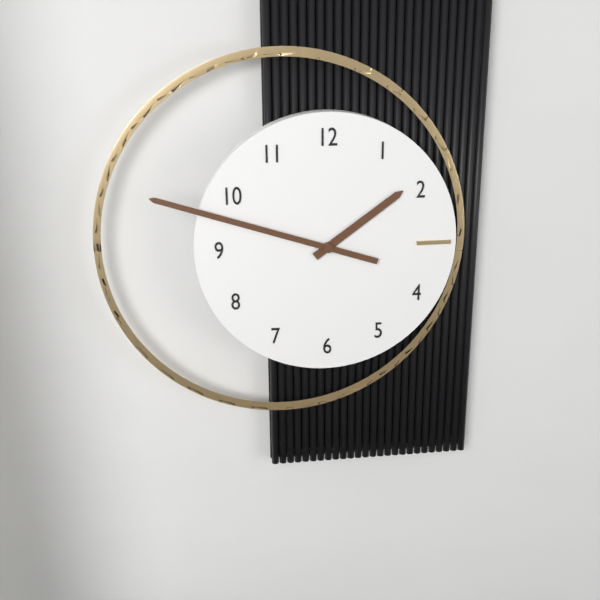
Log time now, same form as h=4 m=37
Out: h=1 m=48
